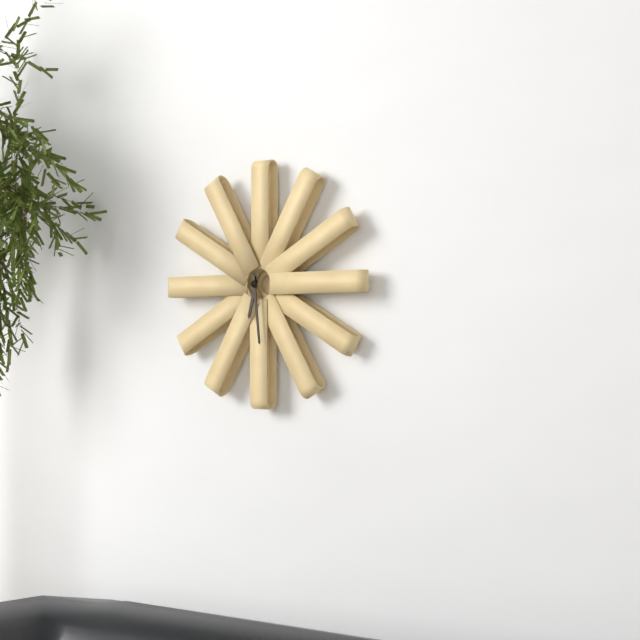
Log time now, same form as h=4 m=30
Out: h=6 m=29
